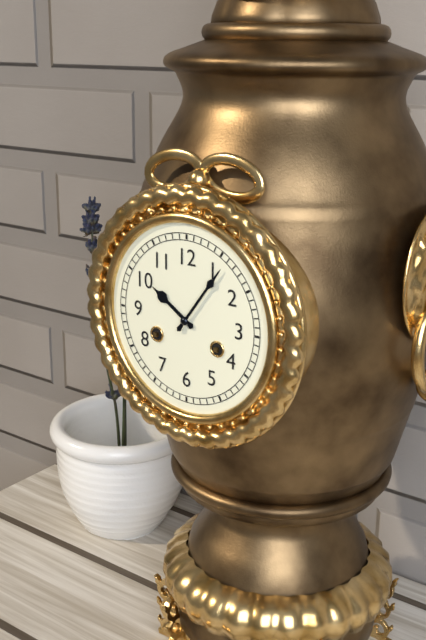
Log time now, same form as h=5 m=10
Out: h=10 m=6
